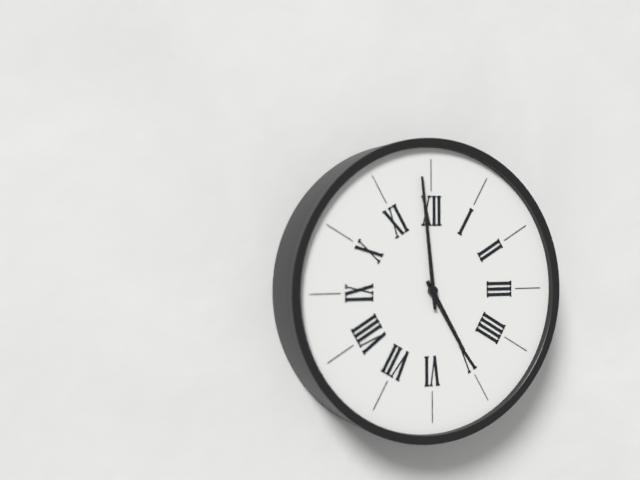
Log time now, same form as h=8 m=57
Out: h=4 m=59
